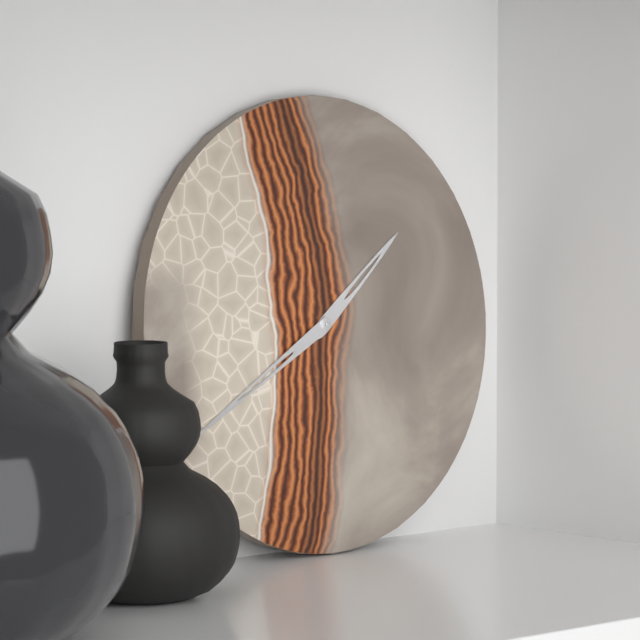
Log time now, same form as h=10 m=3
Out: h=1 m=40
